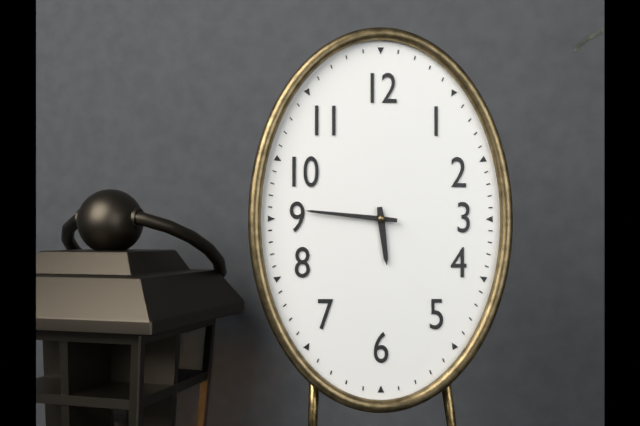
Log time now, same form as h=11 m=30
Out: h=5 m=46
